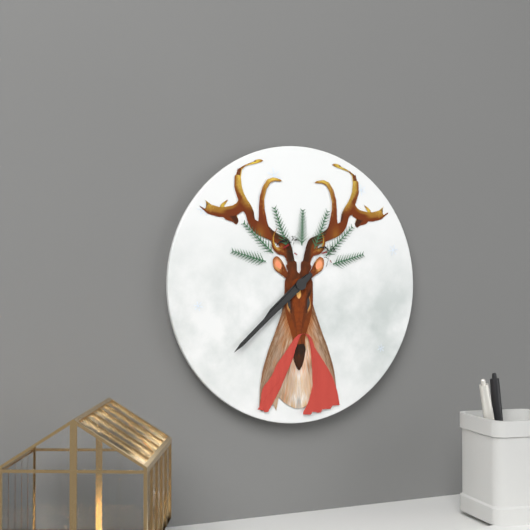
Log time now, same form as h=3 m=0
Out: h=7 m=38
